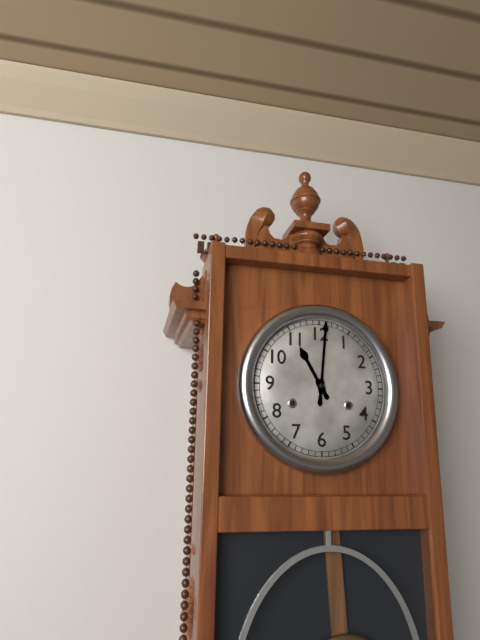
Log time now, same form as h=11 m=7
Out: h=11 m=1
